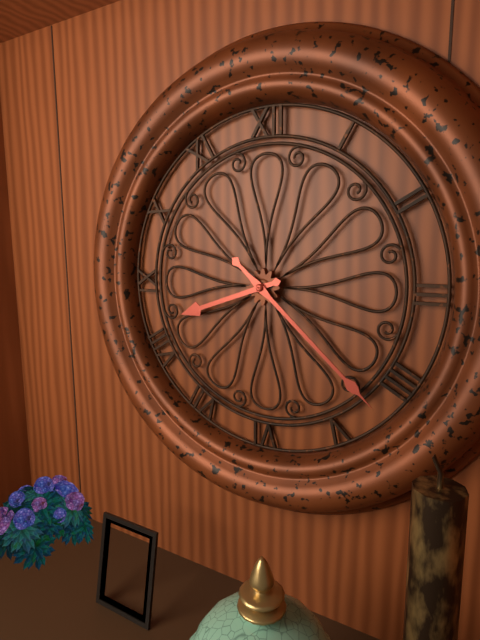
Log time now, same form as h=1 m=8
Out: h=8 m=22
